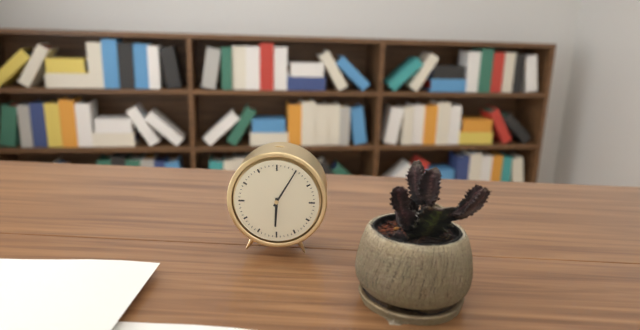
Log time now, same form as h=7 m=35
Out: h=6 m=5
